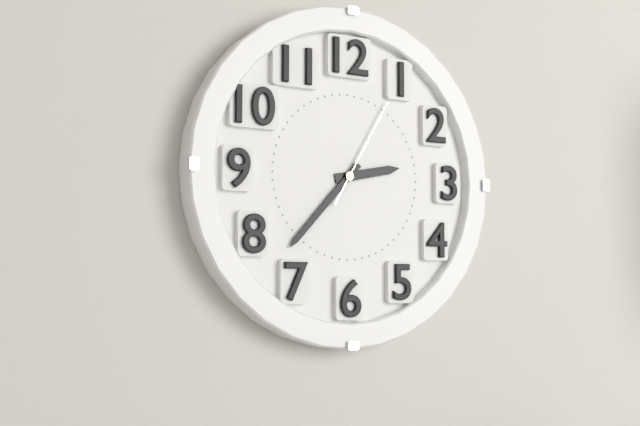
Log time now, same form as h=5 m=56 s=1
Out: h=2 m=37 s=5
